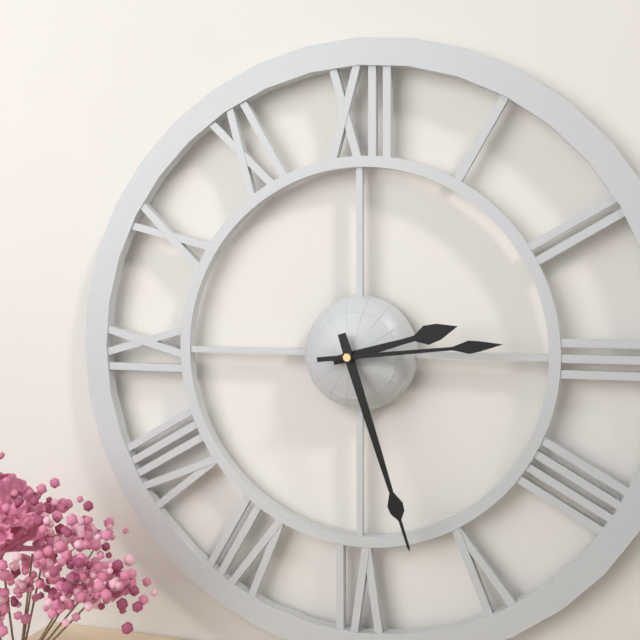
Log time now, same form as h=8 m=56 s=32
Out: h=2 m=27 s=14
